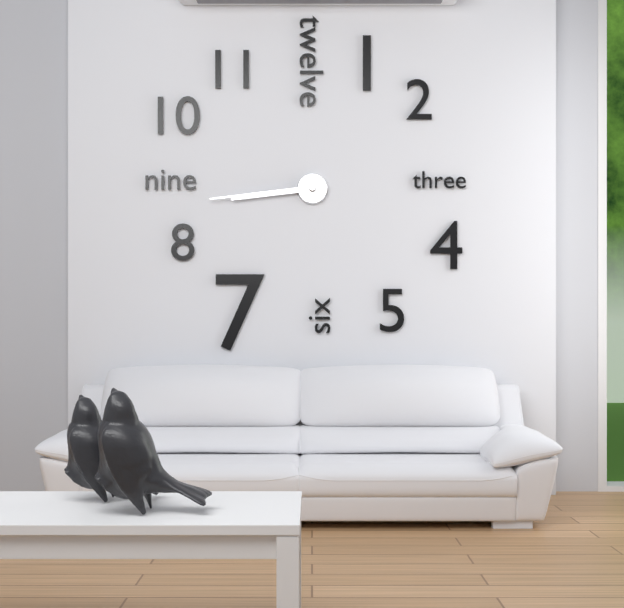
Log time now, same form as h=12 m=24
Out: h=8 m=44
